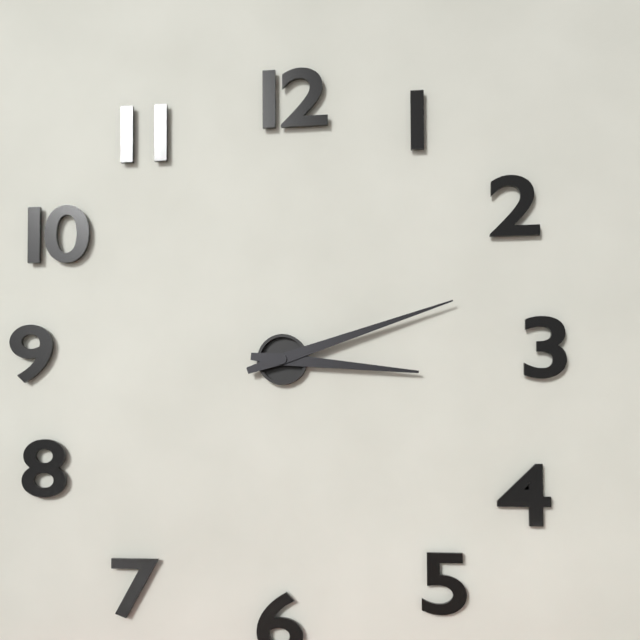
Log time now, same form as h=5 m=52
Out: h=3 m=12
